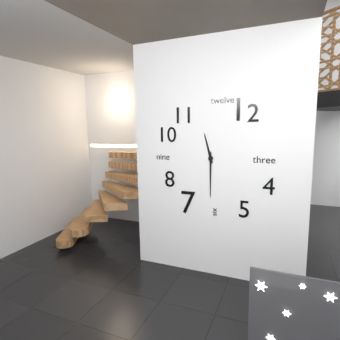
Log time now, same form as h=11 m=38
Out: h=11 m=30
